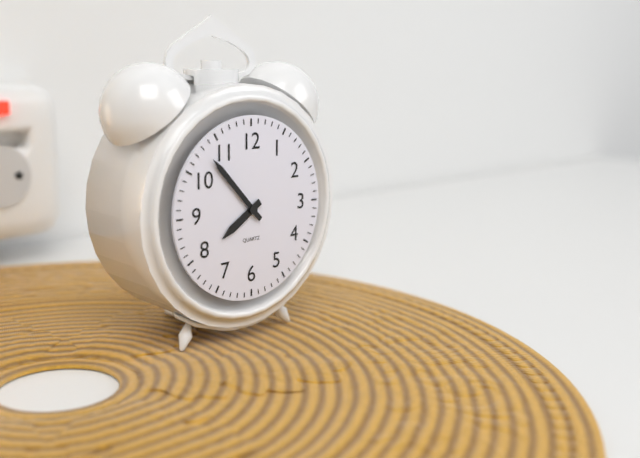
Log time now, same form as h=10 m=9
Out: h=7 m=53
